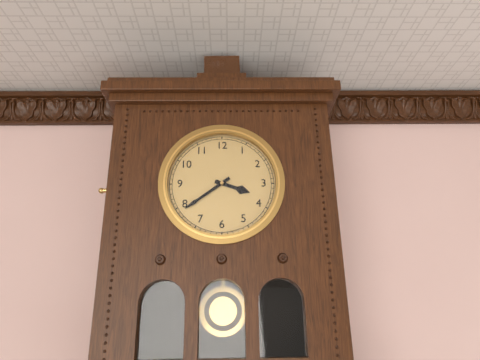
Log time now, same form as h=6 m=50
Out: h=3 m=39
